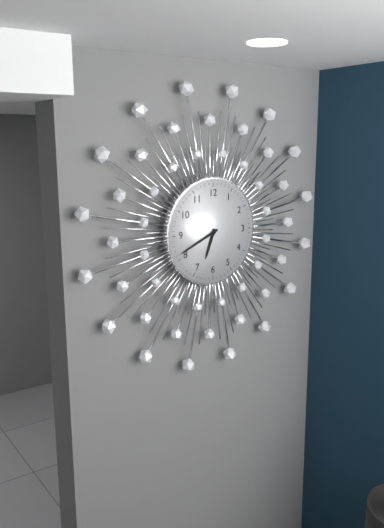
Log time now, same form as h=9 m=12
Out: h=6 m=41
